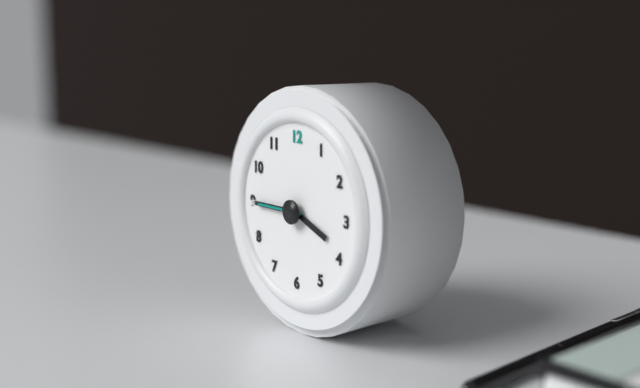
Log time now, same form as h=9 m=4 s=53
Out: h=3 m=45 s=45
